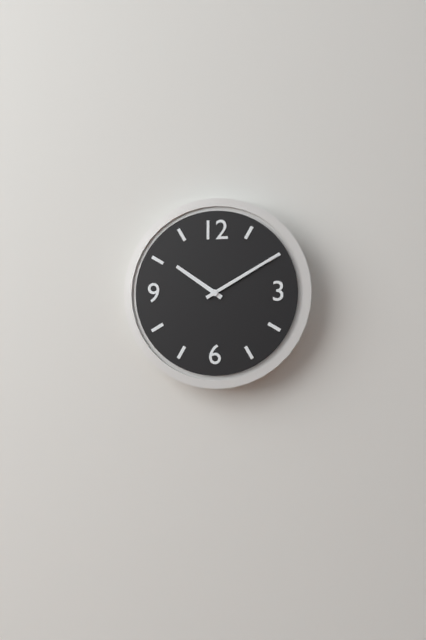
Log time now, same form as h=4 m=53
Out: h=10 m=10
